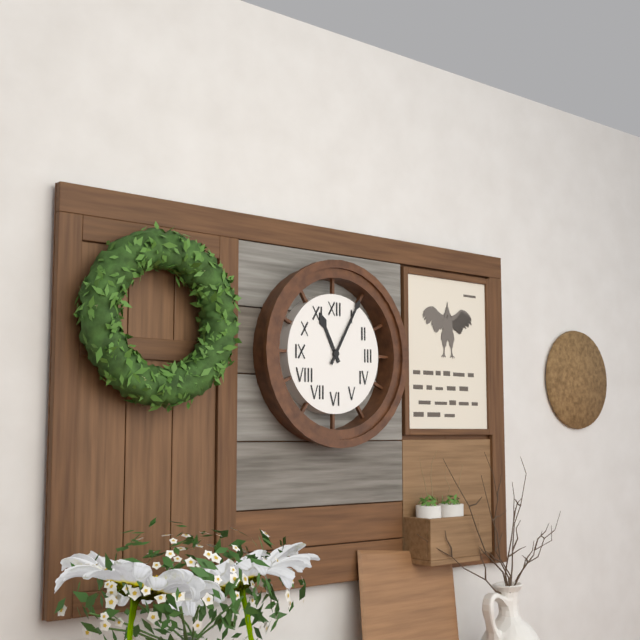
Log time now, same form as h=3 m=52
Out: h=11 m=5
